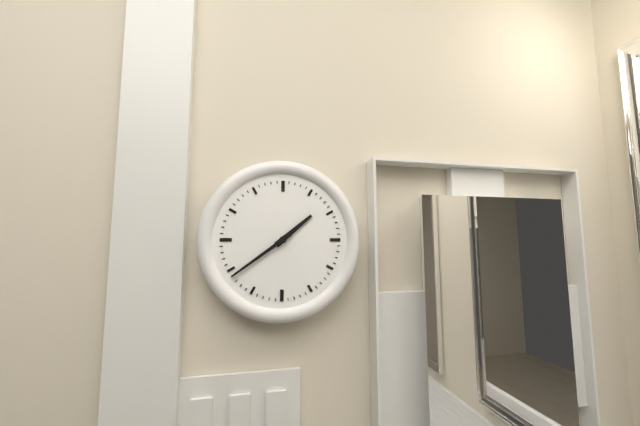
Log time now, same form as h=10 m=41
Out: h=1 m=39
